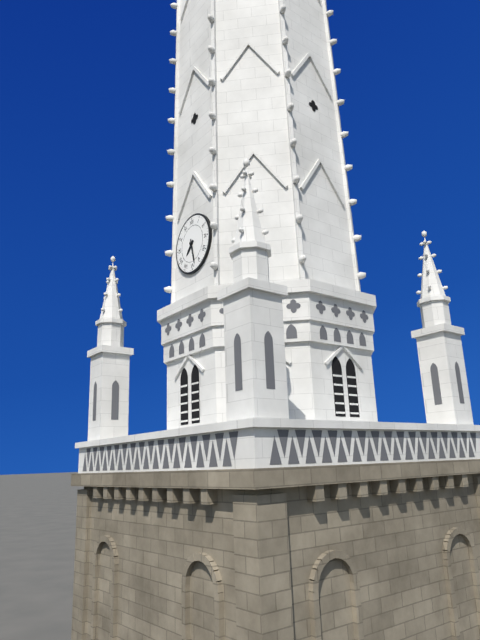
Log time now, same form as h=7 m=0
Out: h=7 m=28
